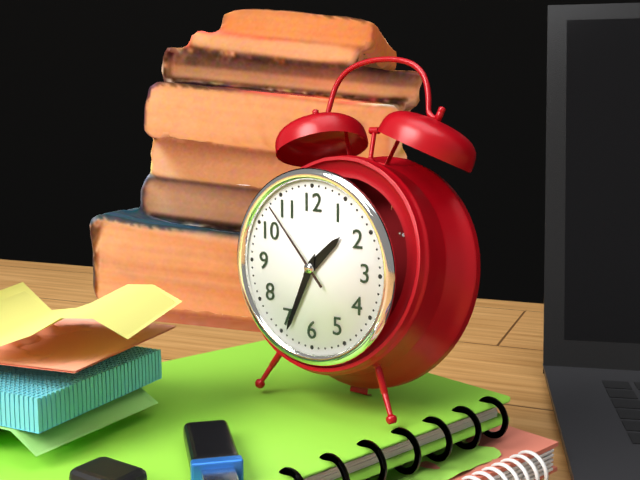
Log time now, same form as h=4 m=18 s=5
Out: h=1 m=34 s=53
